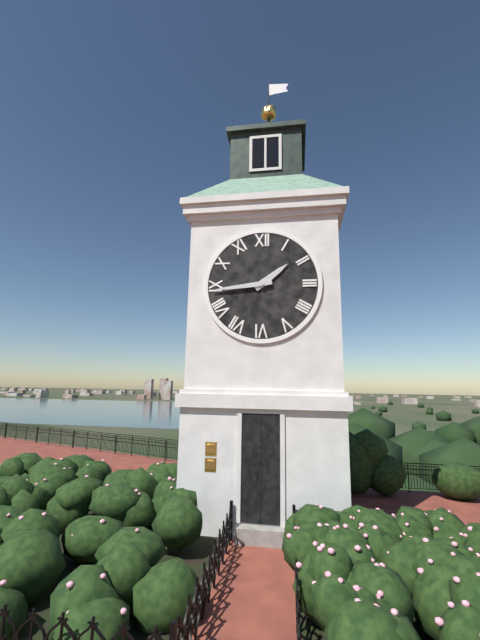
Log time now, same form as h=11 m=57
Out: h=1 m=44
